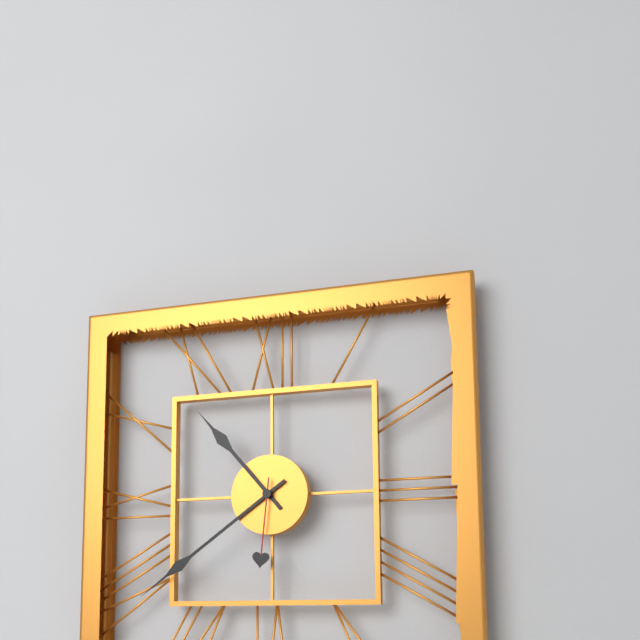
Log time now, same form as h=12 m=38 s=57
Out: h=10 m=39 s=31
